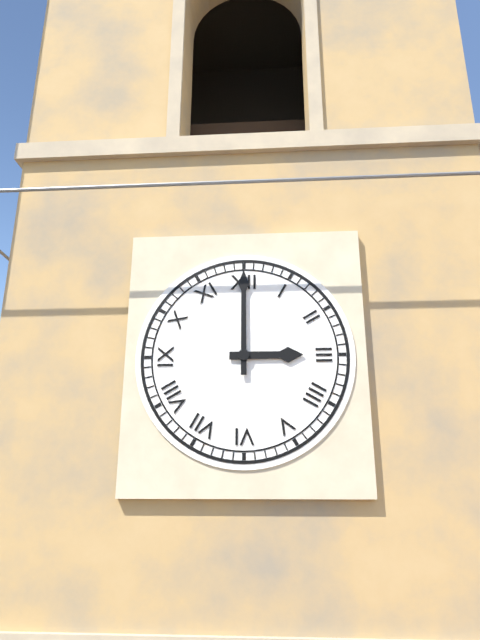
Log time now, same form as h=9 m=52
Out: h=3 m=0
